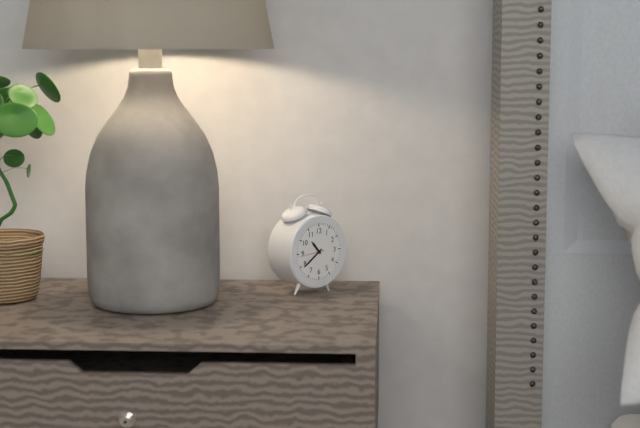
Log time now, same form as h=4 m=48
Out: h=10 m=39
